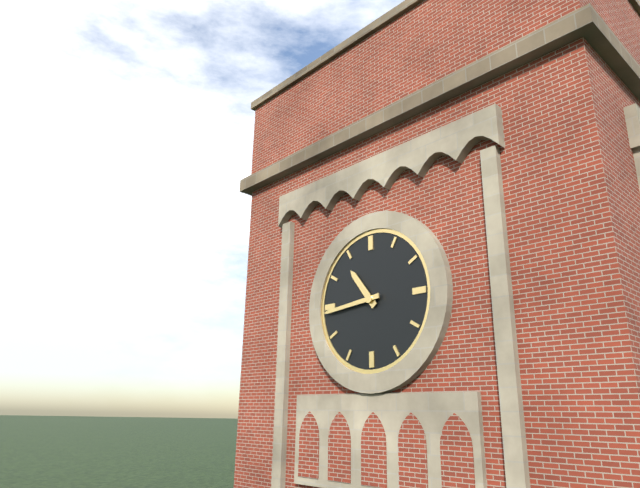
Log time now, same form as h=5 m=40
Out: h=10 m=44
